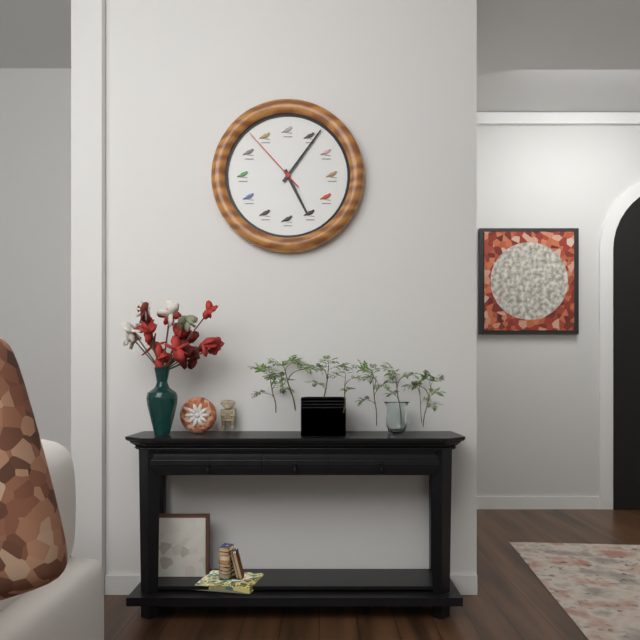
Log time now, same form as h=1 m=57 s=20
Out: h=5 m=6 s=53
